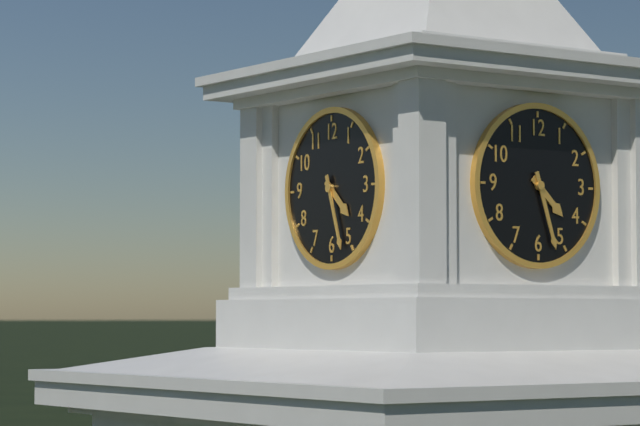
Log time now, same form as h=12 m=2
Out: h=4 m=27
